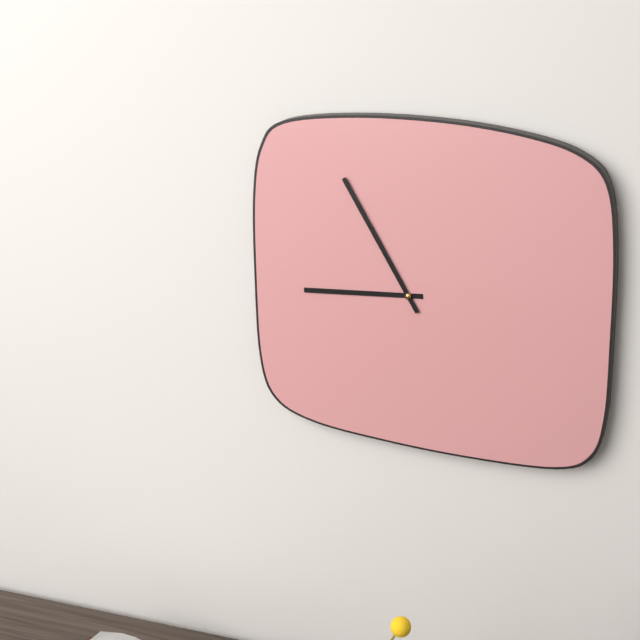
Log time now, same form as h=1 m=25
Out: h=8 m=55
